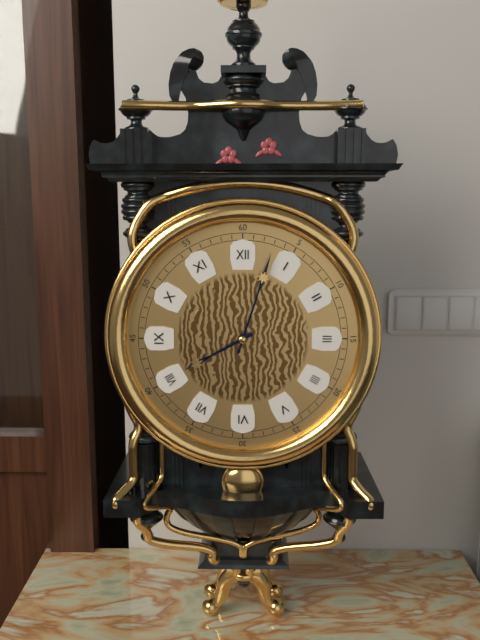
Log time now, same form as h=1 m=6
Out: h=8 m=3
